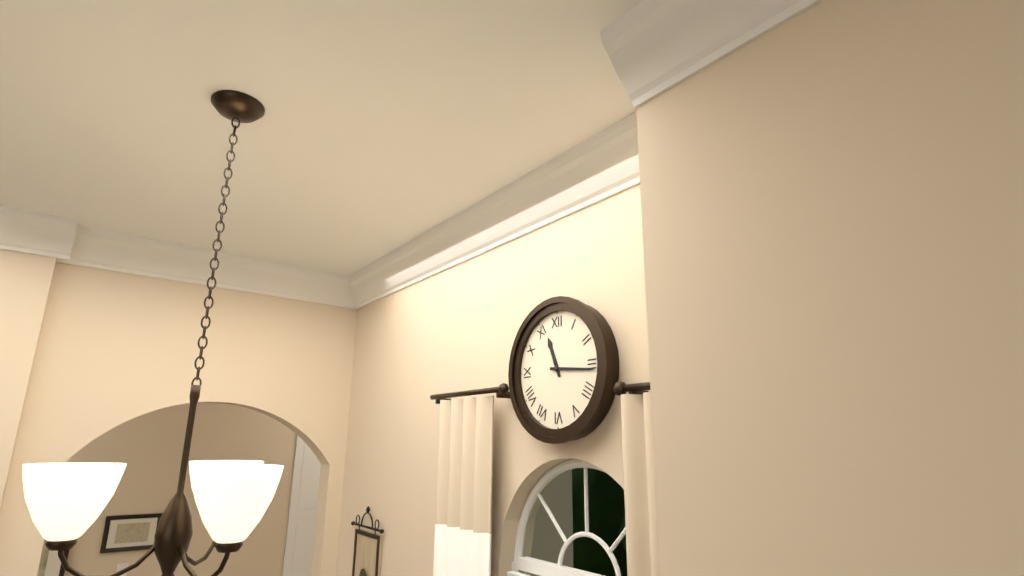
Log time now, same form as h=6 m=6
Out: h=11 m=16
